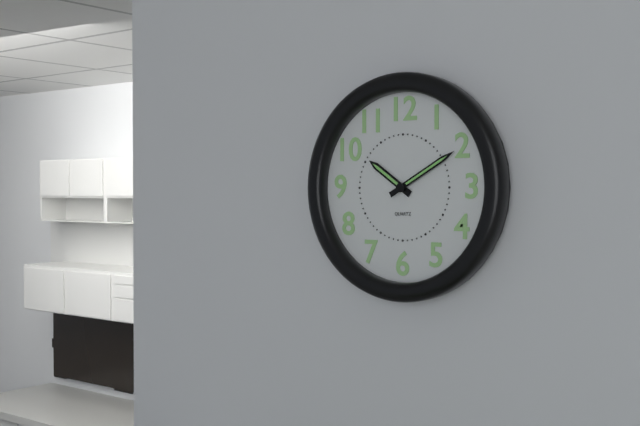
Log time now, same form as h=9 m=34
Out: h=10 m=10
